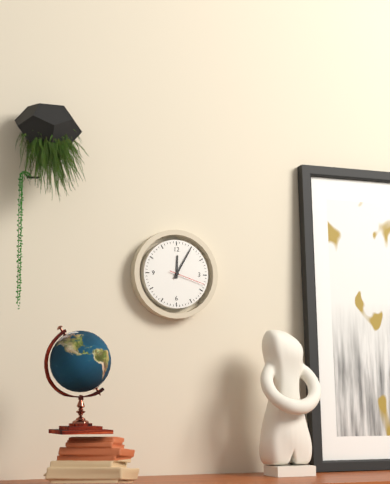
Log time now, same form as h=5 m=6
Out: h=12 m=5
